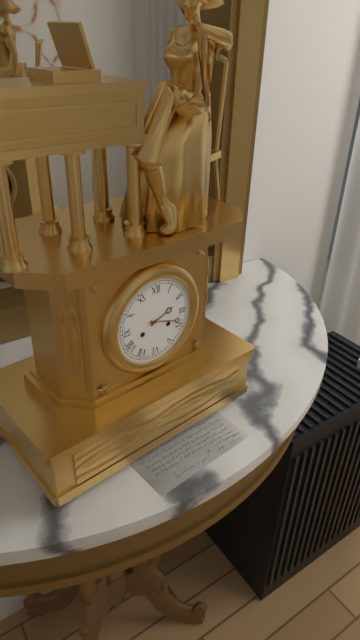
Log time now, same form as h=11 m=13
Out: h=2 m=18
